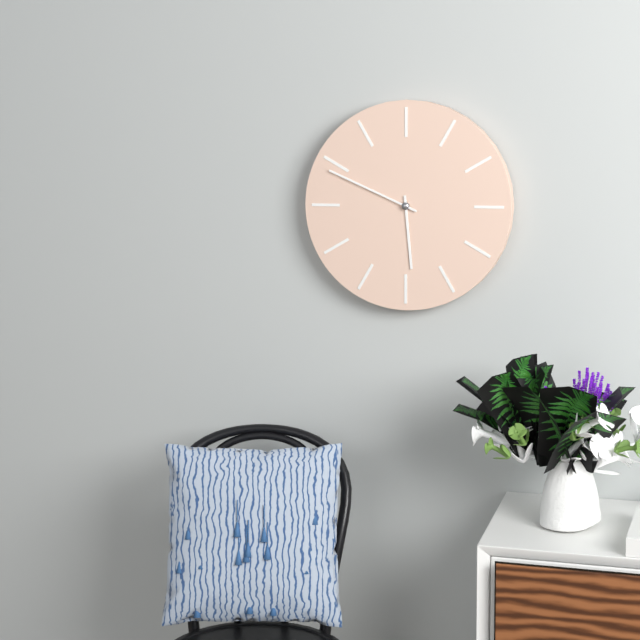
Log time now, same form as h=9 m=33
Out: h=5 m=49
